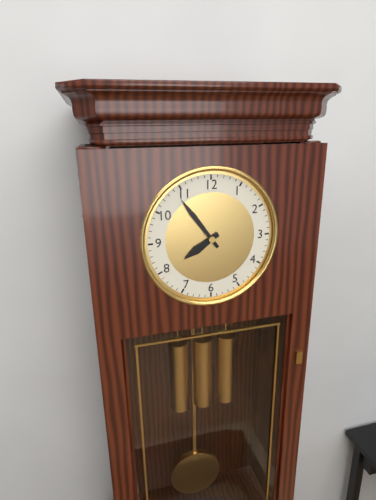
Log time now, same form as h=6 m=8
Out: h=7 m=54
